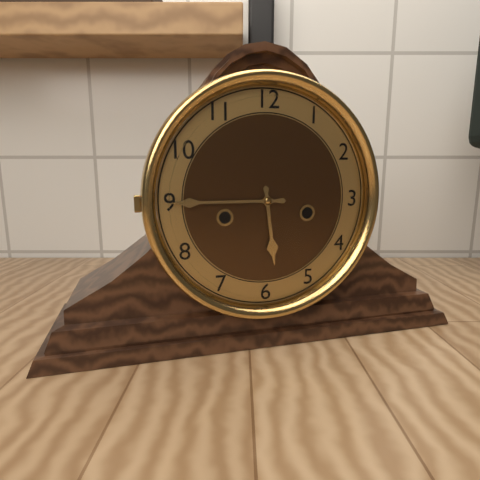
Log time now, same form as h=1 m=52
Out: h=5 m=45
